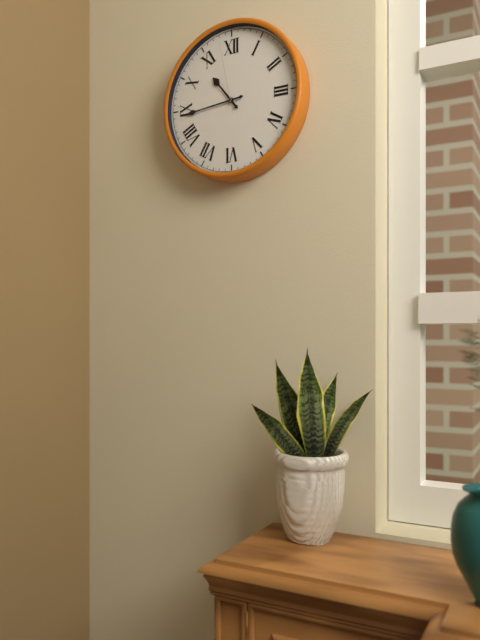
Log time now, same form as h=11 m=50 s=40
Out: h=10 m=44 s=58
